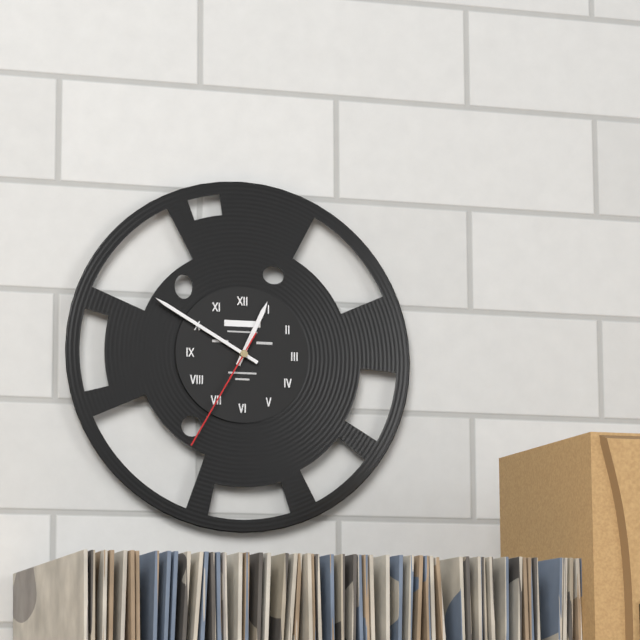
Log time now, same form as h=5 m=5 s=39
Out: h=12 m=50 s=35
